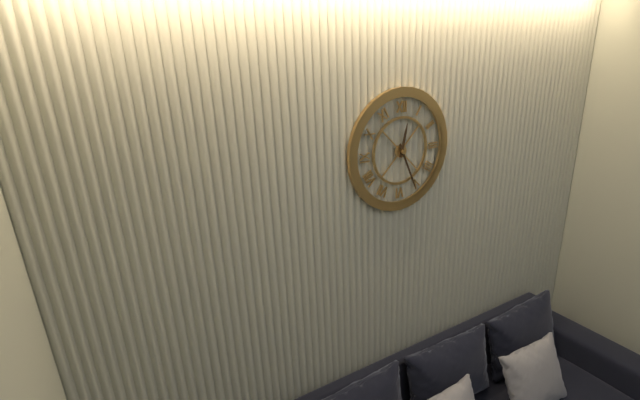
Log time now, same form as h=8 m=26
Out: h=12 m=26
